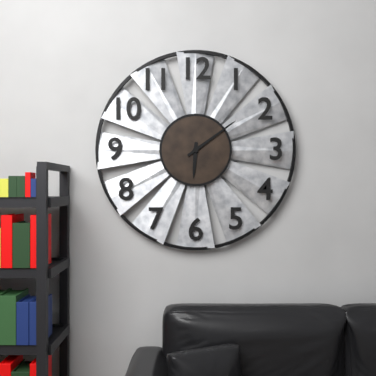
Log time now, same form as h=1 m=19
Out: h=6 m=9
